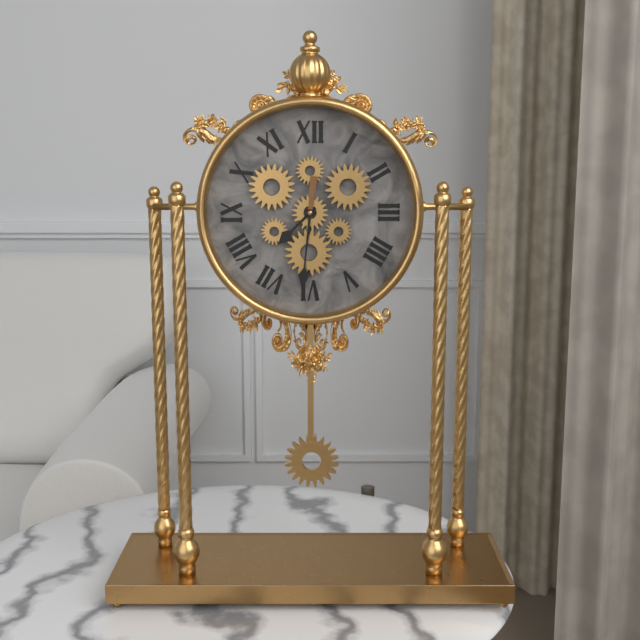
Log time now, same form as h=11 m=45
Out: h=7 m=31
